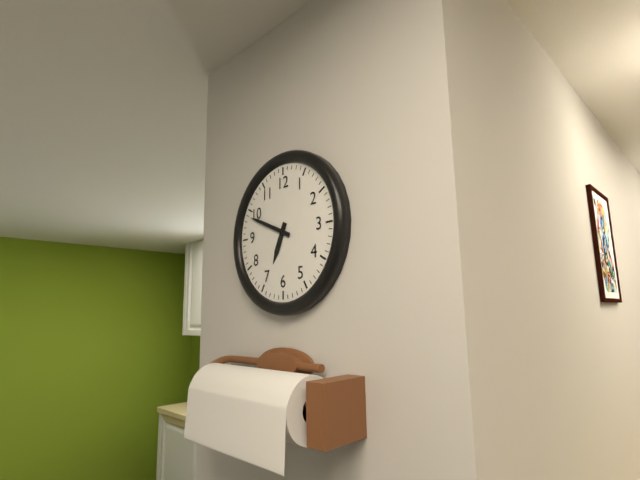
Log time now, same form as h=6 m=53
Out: h=6 m=49
